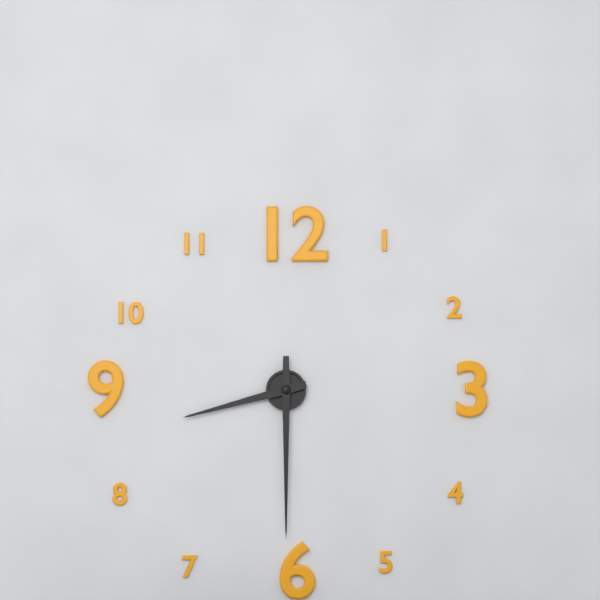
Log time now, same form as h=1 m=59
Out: h=8 m=30
